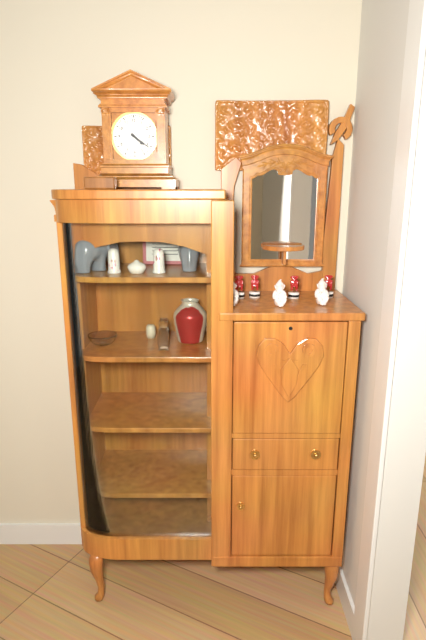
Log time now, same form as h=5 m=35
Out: h=4 m=21
